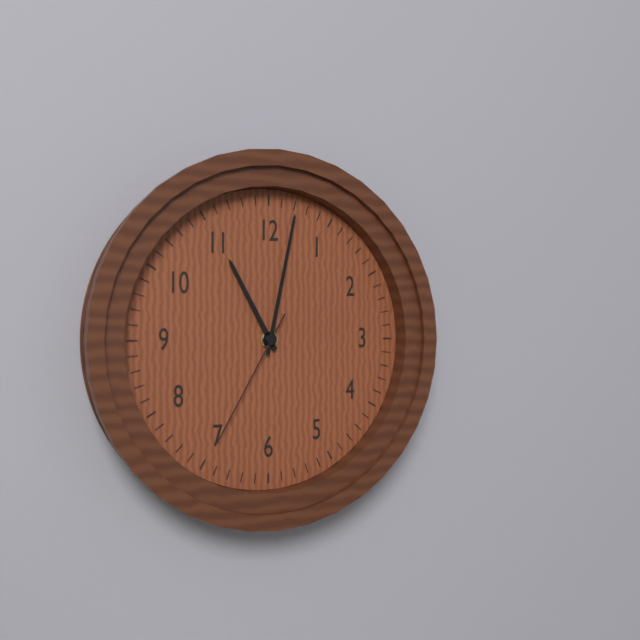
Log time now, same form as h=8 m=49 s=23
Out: h=11 m=2 s=35
